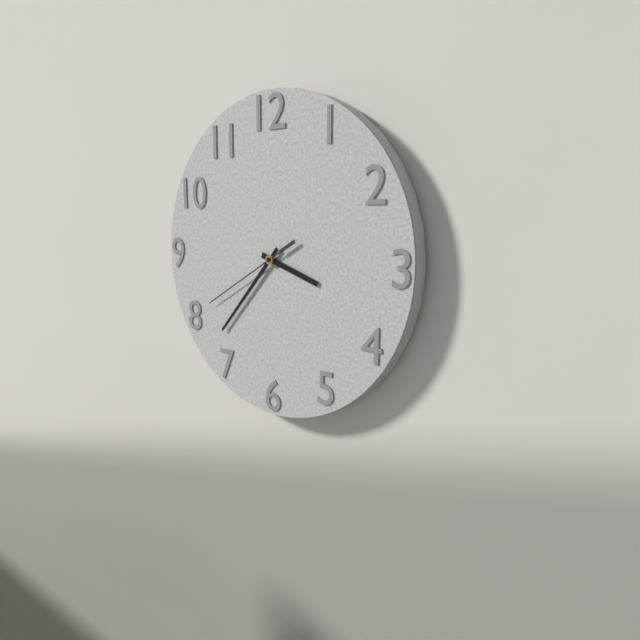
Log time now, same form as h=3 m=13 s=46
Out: h=3 m=37 s=40
